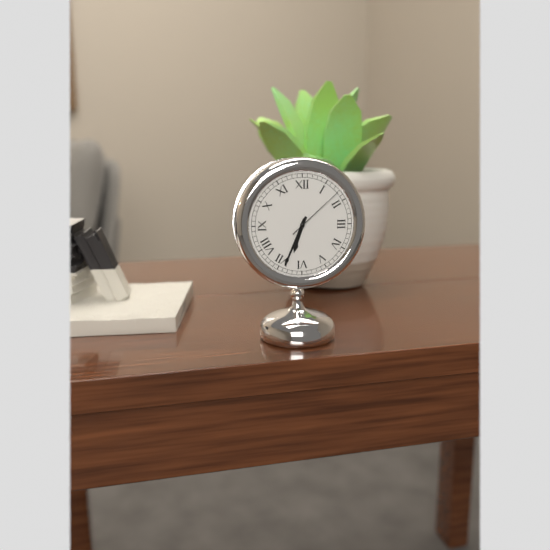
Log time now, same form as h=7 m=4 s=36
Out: h=6 m=34 s=8
